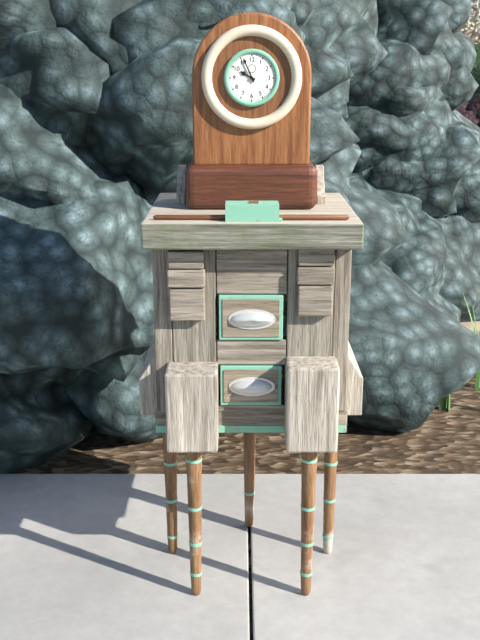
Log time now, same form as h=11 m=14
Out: h=9 m=56
